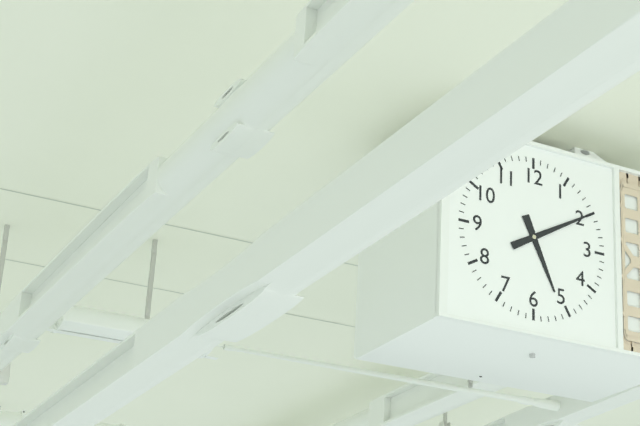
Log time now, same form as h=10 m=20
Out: h=5 m=10
